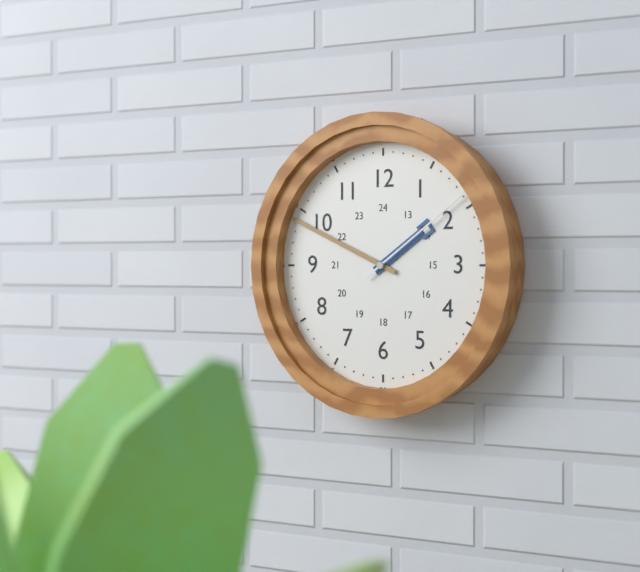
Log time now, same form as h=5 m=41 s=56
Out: h=1 m=49 s=9
